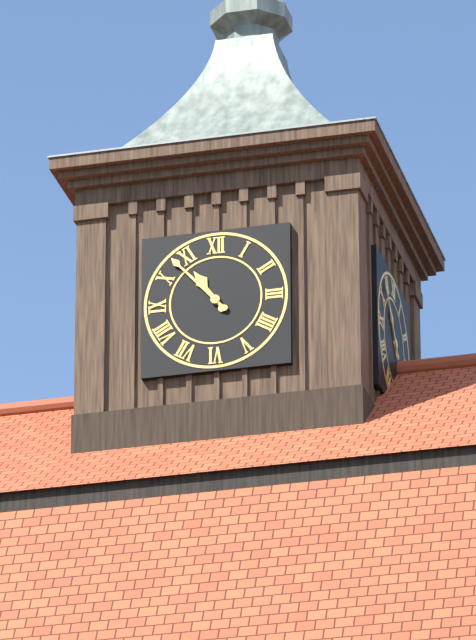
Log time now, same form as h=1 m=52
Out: h=10 m=53
